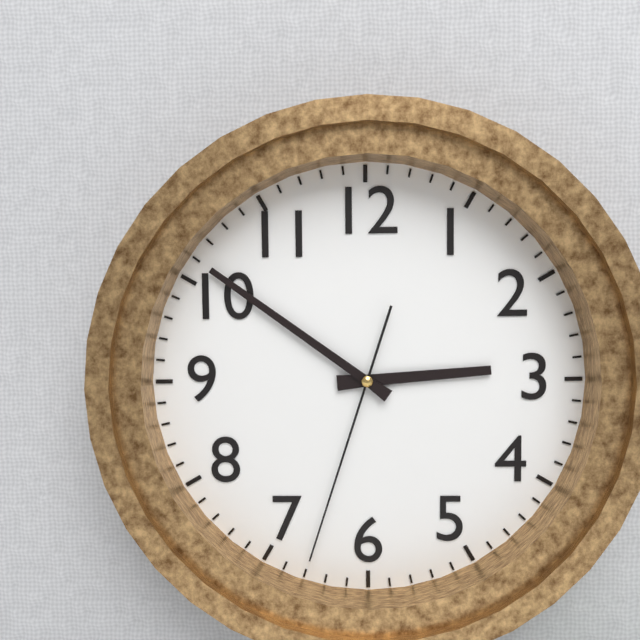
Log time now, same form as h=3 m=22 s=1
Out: h=2 m=51 s=33
